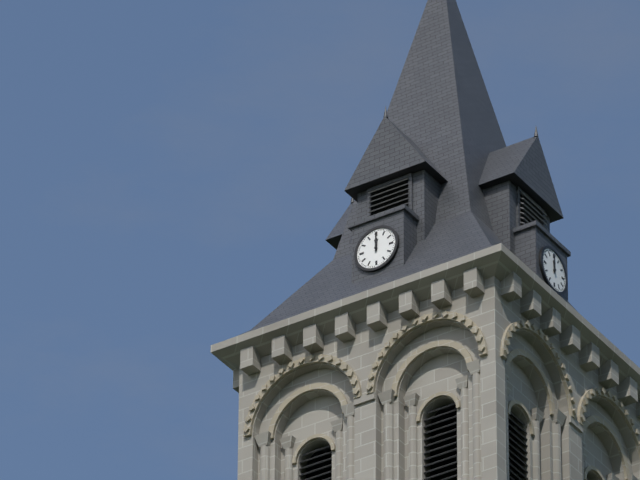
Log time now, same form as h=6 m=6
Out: h=12 m=0
